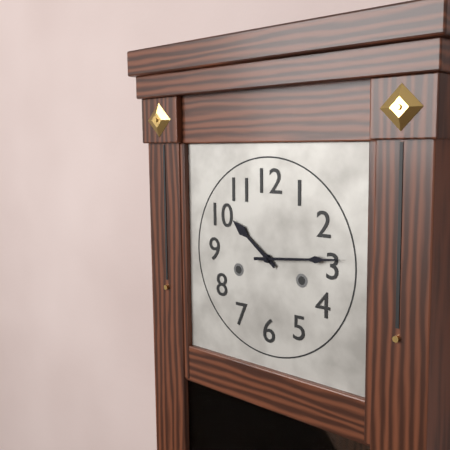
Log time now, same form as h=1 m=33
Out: h=10 m=14
